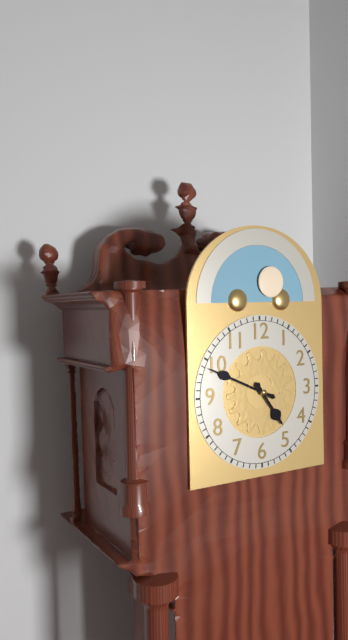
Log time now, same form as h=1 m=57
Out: h=4 m=49
